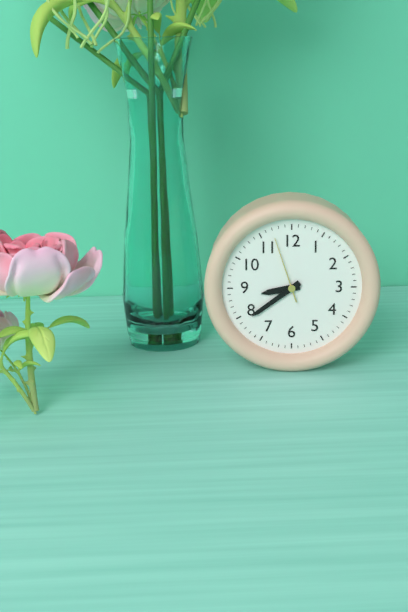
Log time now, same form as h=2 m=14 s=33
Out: h=8 m=39 s=57
